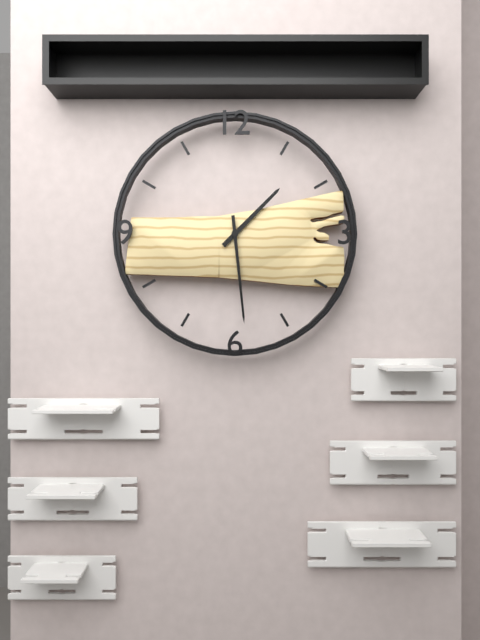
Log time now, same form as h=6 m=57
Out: h=1 m=29
